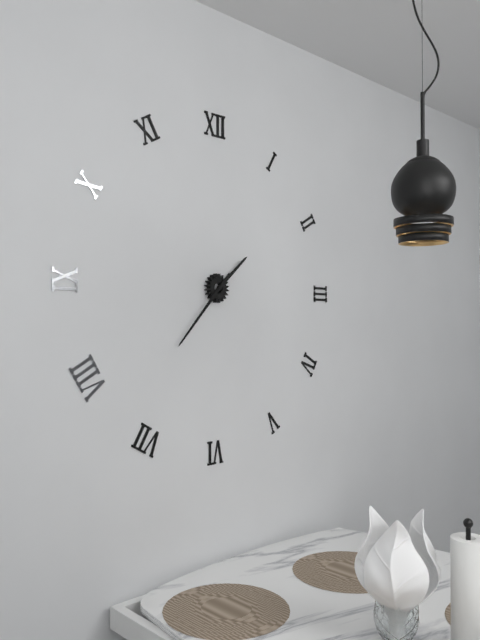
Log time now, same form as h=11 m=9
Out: h=1 m=37
